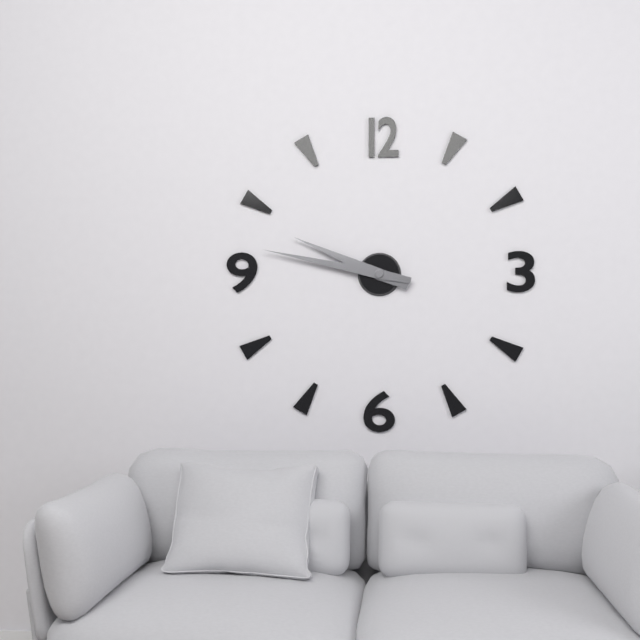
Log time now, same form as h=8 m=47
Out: h=9 m=47
